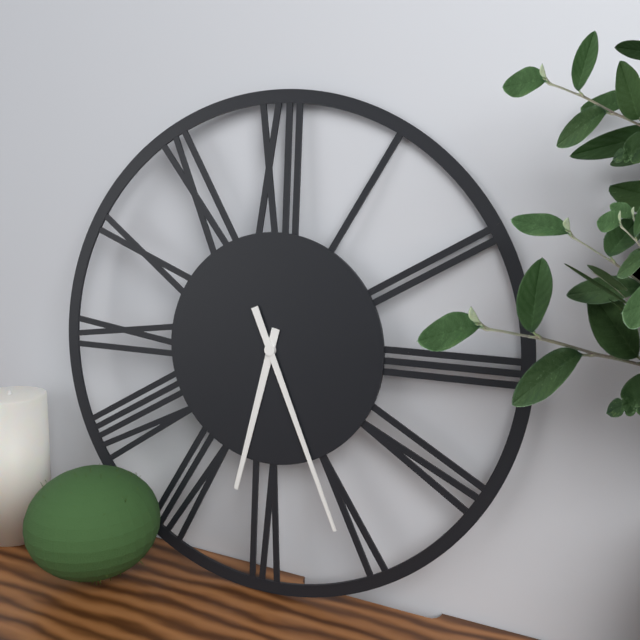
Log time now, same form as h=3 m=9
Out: h=6 m=26
